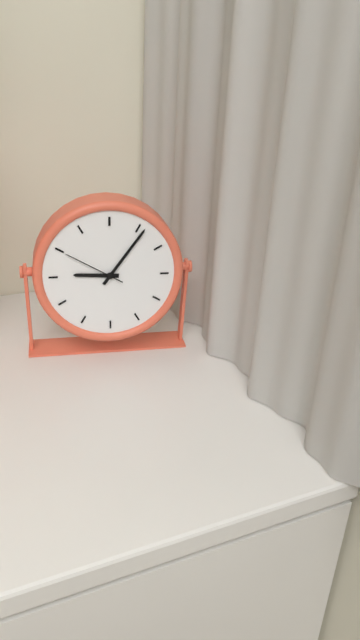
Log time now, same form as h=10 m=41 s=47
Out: h=9 m=6 s=50
